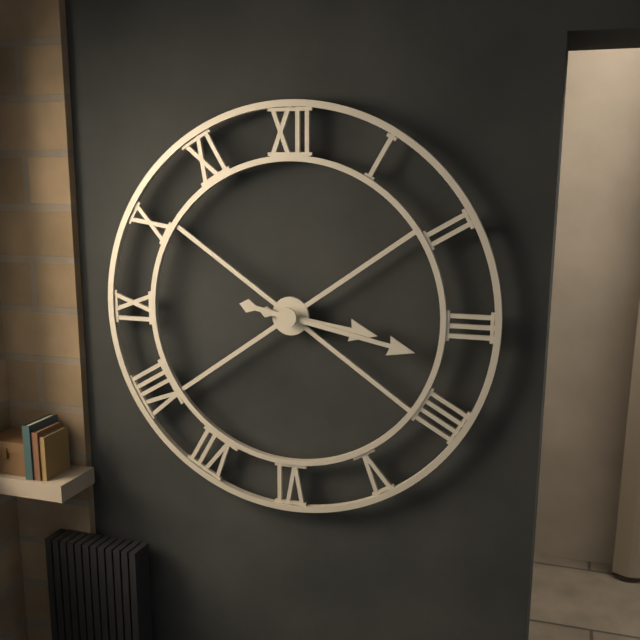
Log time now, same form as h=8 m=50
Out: h=3 m=17
